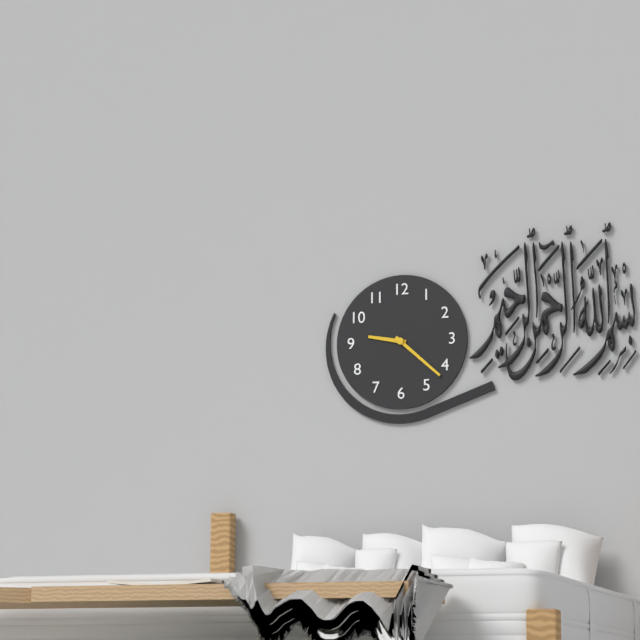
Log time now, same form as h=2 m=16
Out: h=9 m=22
